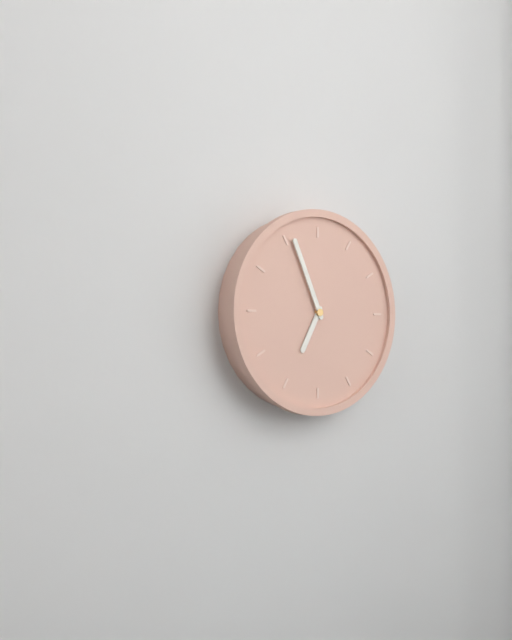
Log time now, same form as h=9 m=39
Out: h=6 m=56
